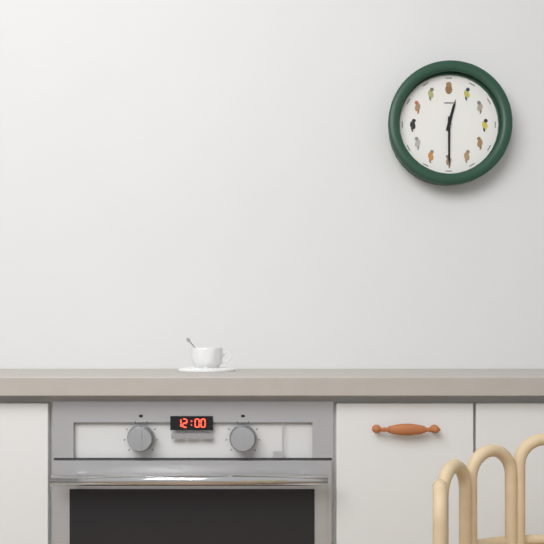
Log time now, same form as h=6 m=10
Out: h=12 m=30
